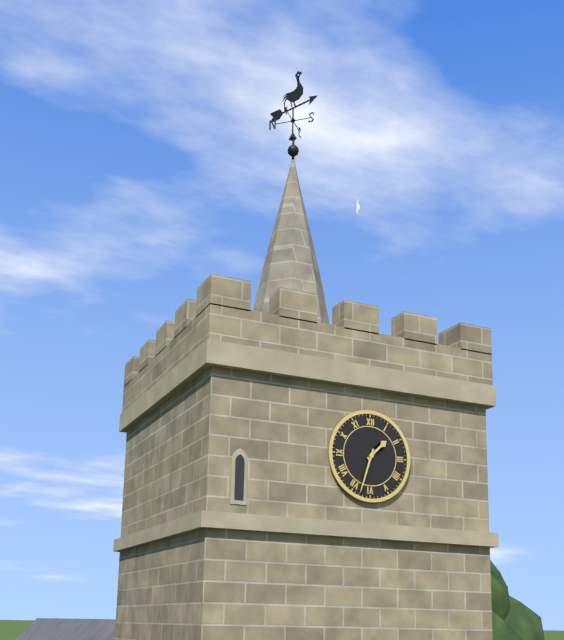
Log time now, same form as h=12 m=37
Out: h=1 m=33
